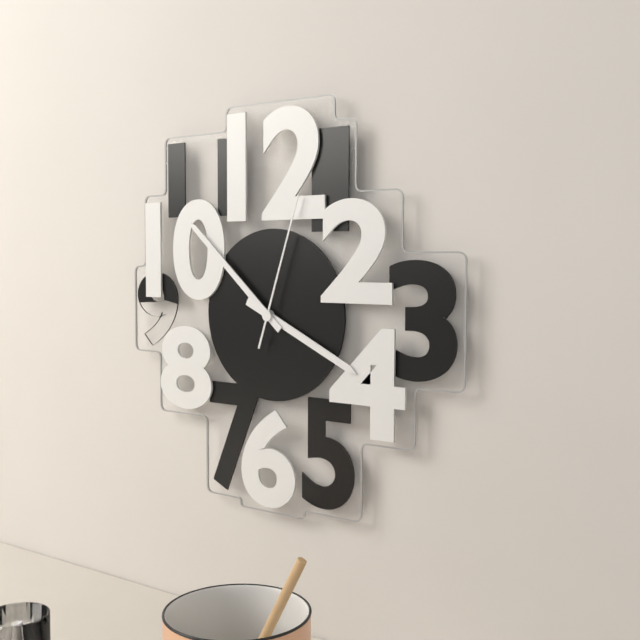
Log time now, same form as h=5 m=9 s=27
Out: h=3 m=52 s=3
